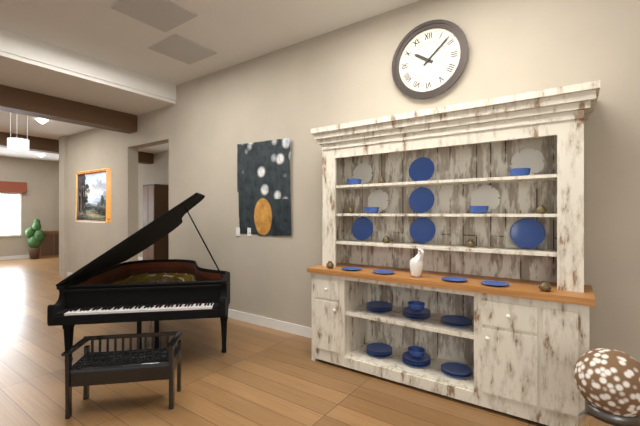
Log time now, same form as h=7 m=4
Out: h=10 m=8
